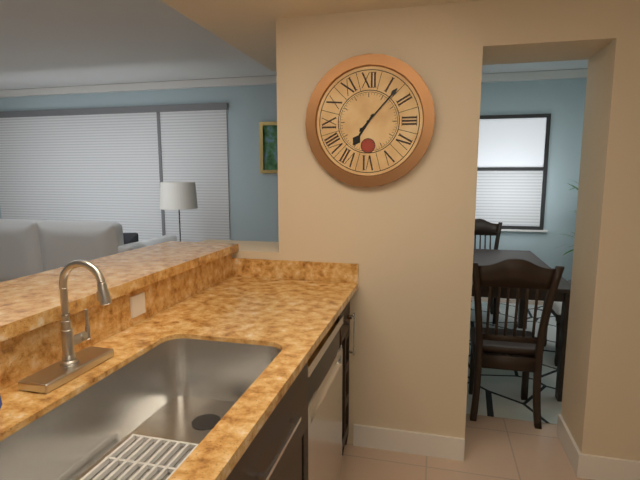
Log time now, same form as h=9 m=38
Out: h=7 m=7
